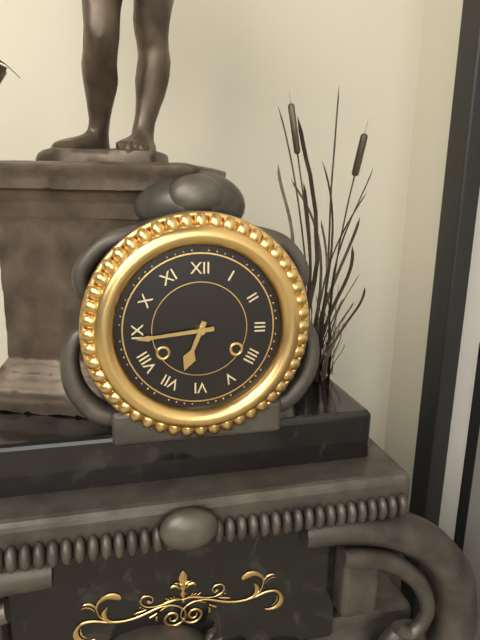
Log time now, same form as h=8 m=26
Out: h=6 m=44
